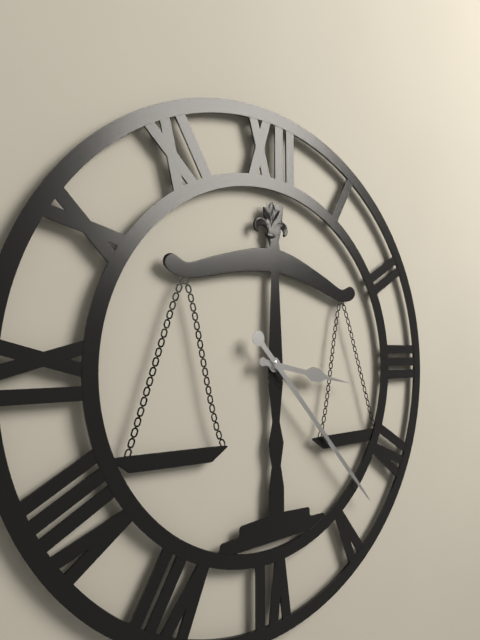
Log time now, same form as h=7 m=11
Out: h=3 m=23
